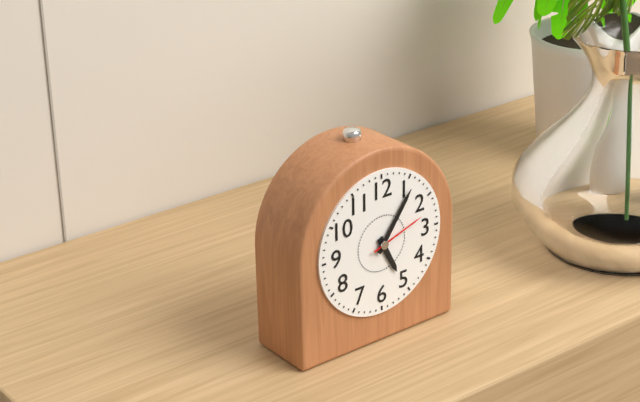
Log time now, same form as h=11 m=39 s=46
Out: h=5 m=6 s=12
